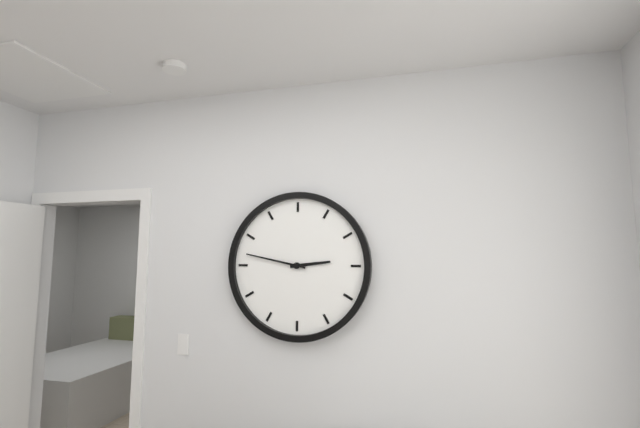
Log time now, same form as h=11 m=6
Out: h=2 m=47
